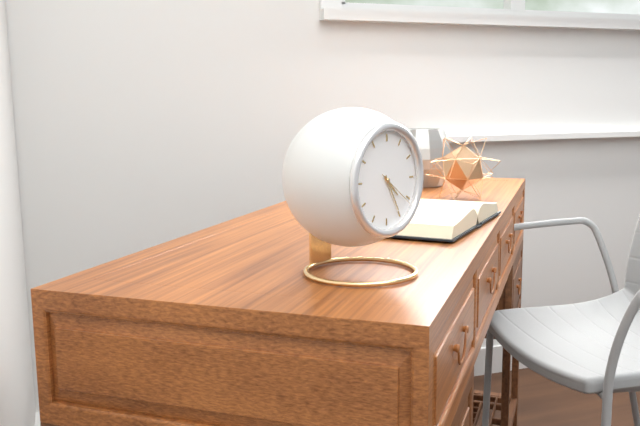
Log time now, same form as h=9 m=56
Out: h=4 m=25
